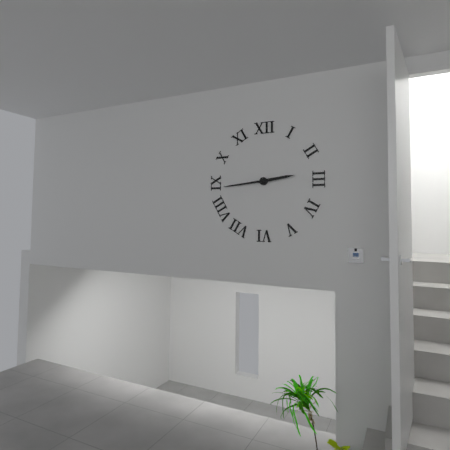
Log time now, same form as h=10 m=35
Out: h=2 m=44
